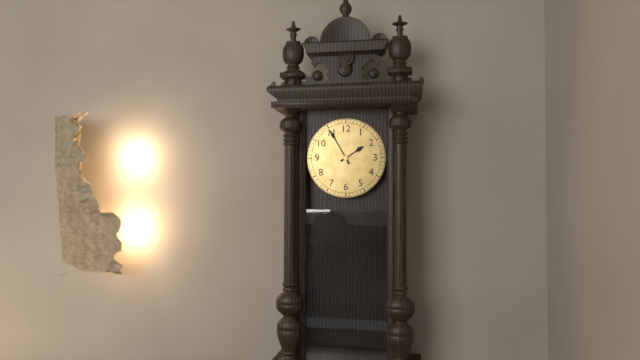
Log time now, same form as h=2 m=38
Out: h=1 m=55
